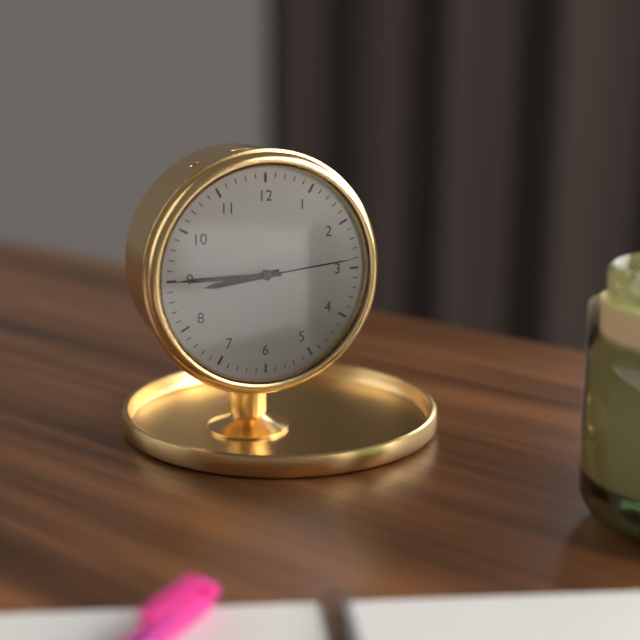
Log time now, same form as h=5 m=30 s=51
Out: h=8 m=45 s=14
